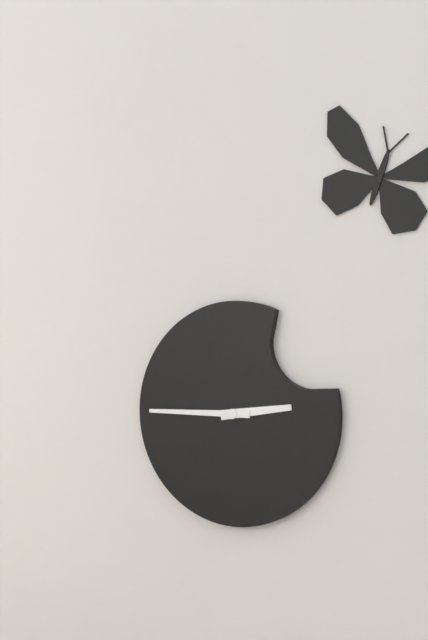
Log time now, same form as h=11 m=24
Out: h=2 m=45
